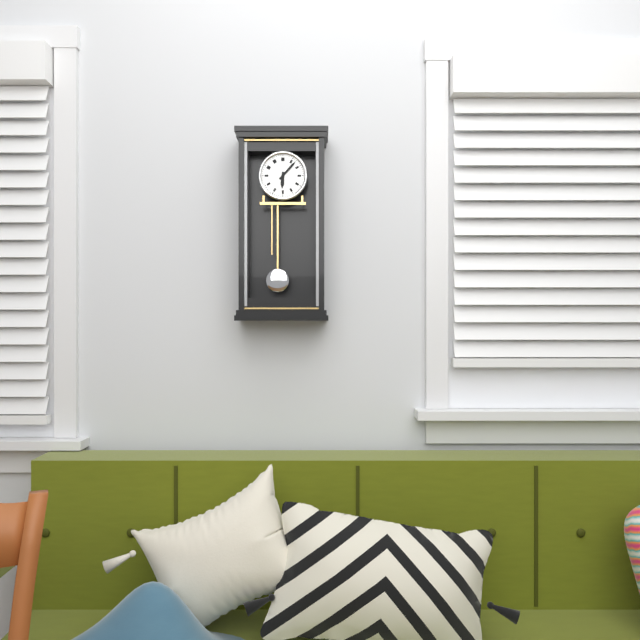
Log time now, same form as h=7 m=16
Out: h=6 m=7
